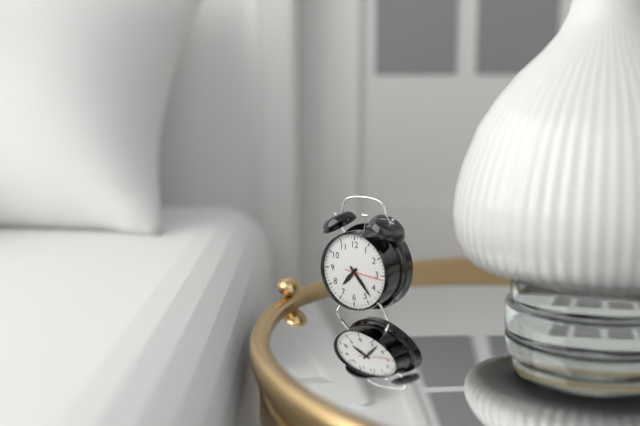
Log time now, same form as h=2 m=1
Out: h=7 m=23
